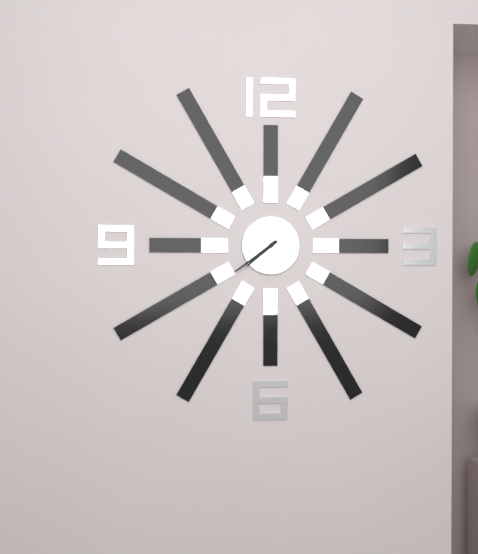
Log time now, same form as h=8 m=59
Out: h=7 m=39
